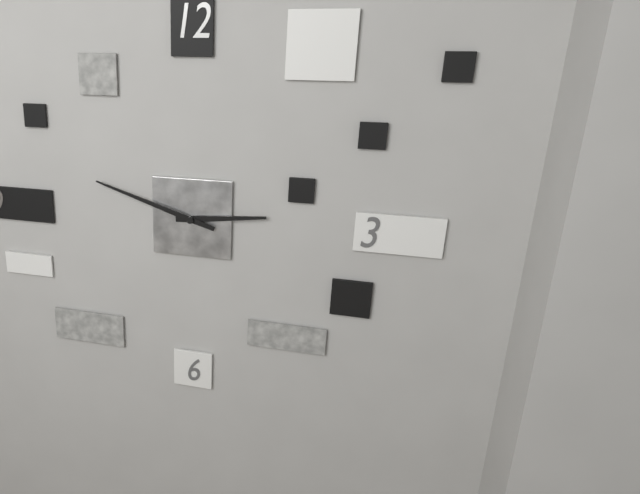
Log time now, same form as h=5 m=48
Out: h=2 m=48
